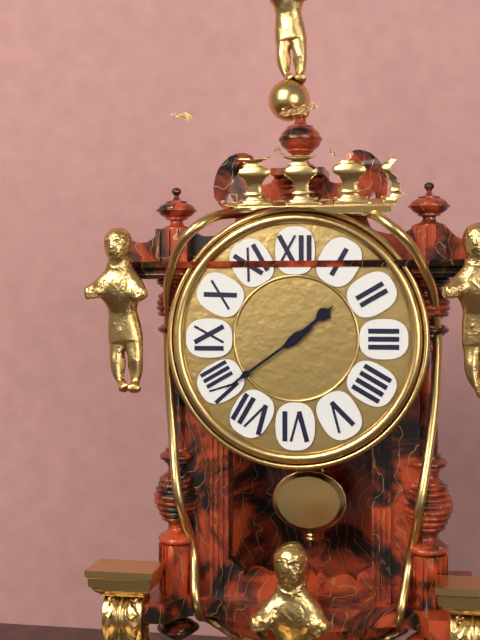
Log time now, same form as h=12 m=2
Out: h=1 m=39
